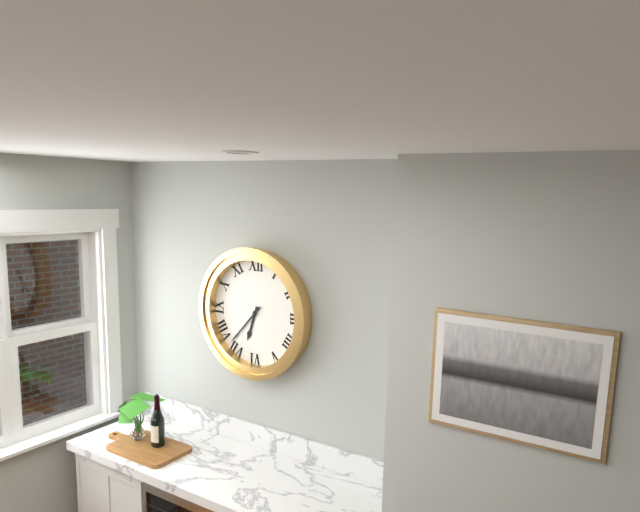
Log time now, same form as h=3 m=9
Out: h=6 m=37
